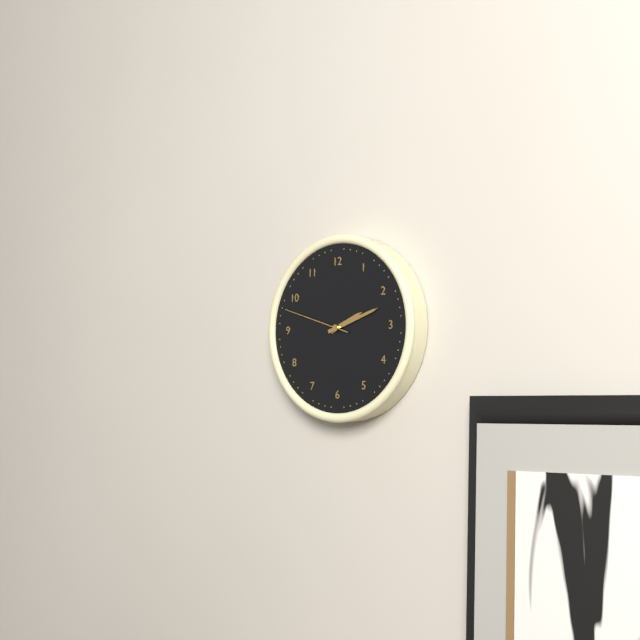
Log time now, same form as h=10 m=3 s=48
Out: h=2 m=12 s=48
